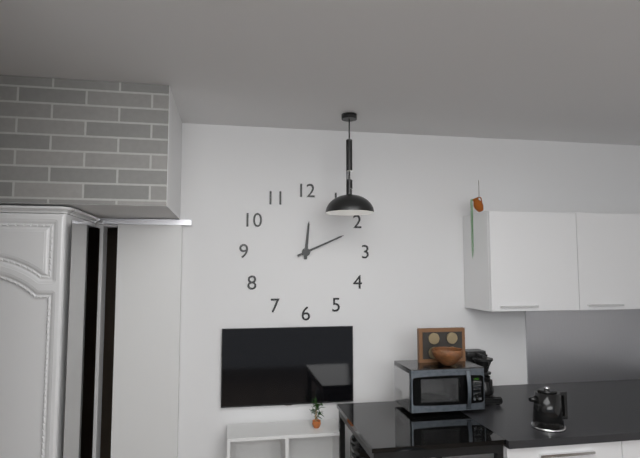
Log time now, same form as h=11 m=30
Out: h=12 m=11
